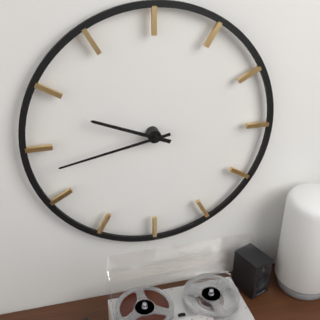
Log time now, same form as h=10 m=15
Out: h=9 m=43
